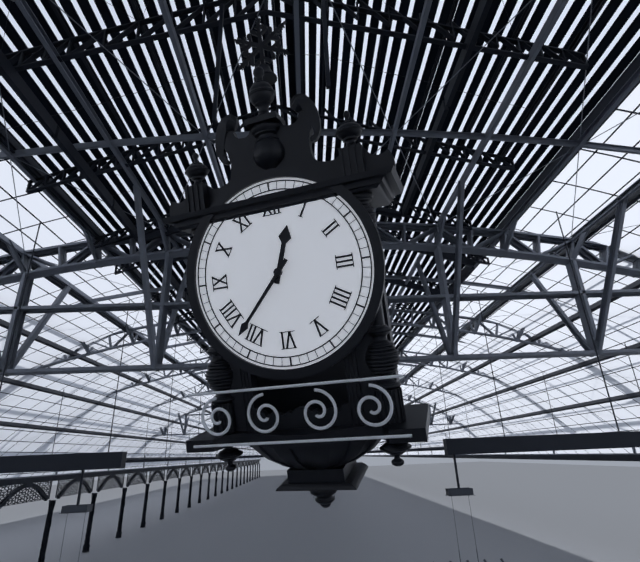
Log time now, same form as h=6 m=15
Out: h=12 m=37
